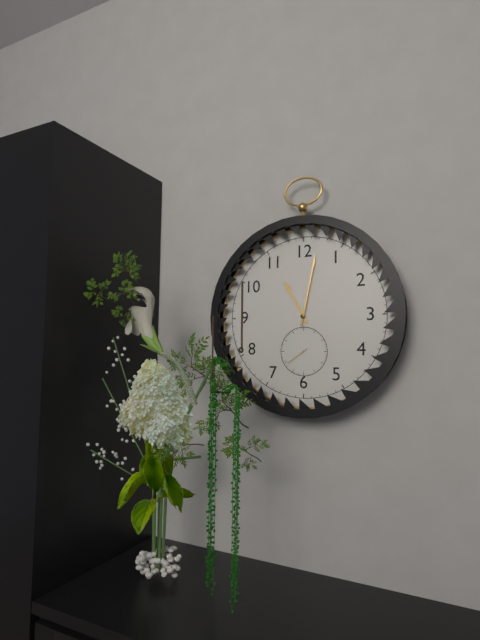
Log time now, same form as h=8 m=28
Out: h=11 m=2
